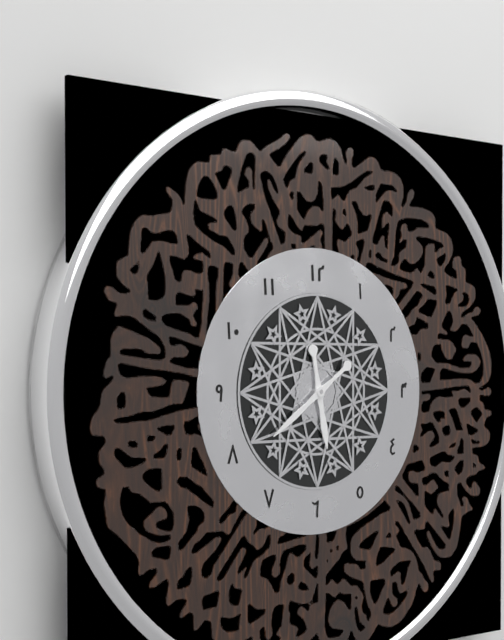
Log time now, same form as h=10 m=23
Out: h=5 m=39
